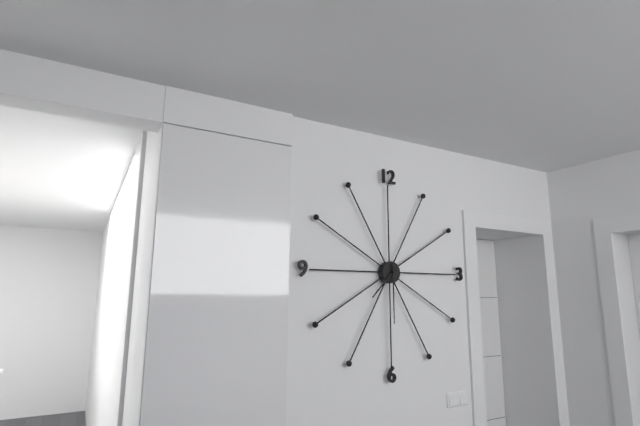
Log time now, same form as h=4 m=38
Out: h=7 m=30
